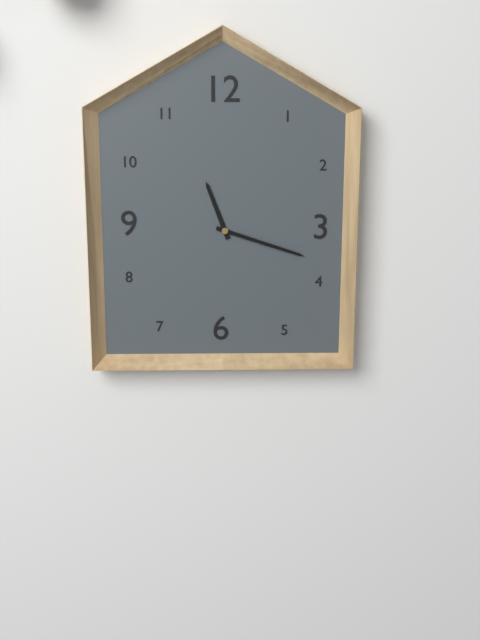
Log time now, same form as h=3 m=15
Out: h=11 m=18
